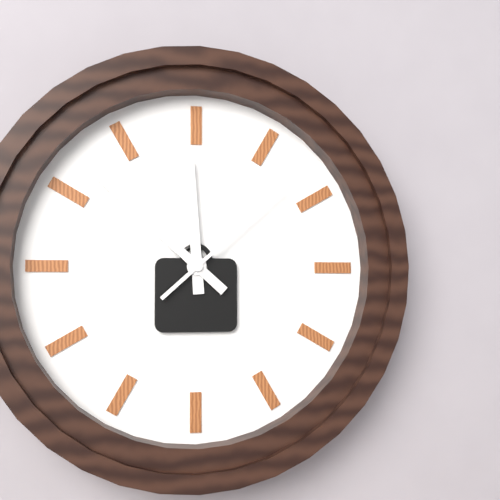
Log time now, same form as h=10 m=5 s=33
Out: h=11 m=52 s=8
